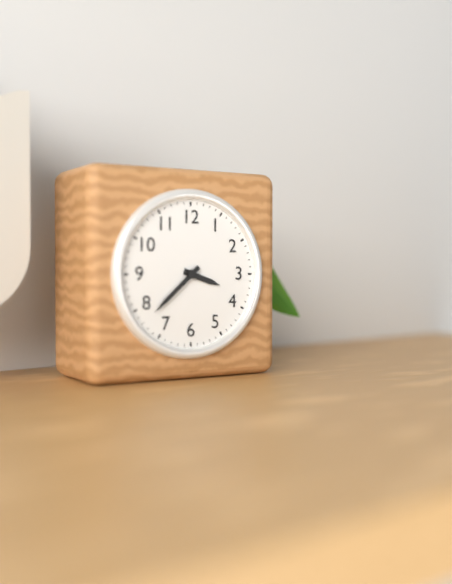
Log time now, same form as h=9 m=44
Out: h=3 m=38
